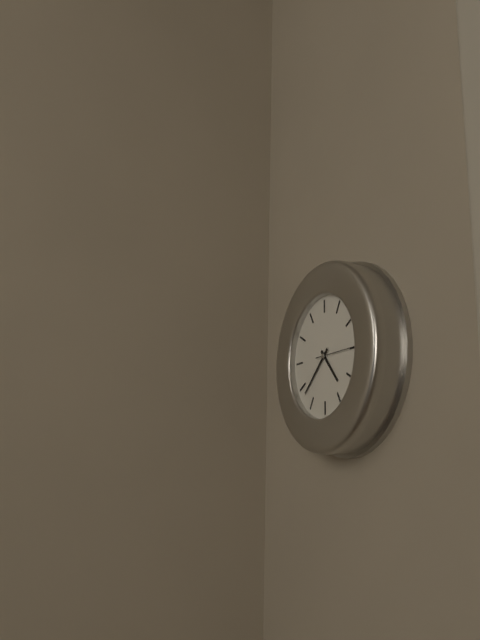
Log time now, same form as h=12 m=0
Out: h=4 m=38
